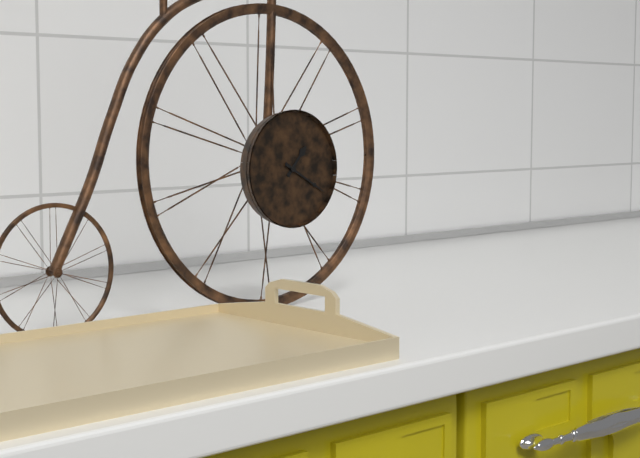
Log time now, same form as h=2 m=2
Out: h=1 m=20
